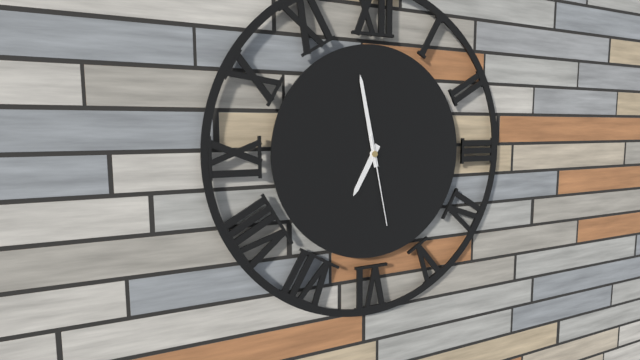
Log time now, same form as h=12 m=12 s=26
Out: h=6 m=58 s=28
